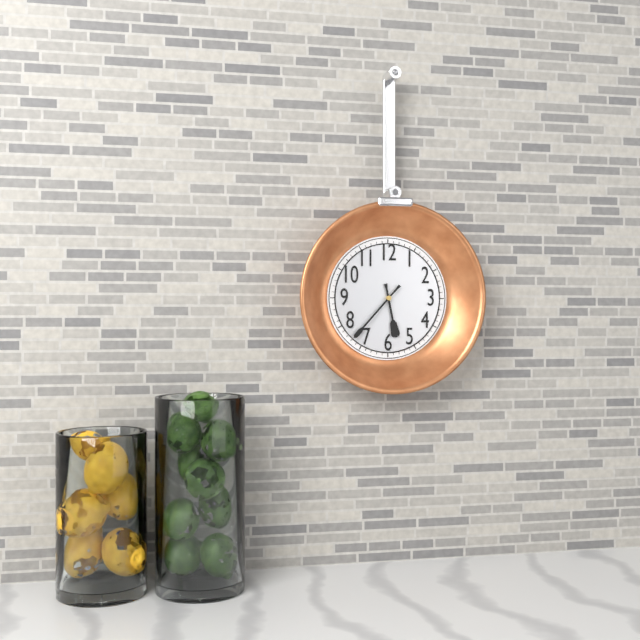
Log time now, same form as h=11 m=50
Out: h=5 m=37
